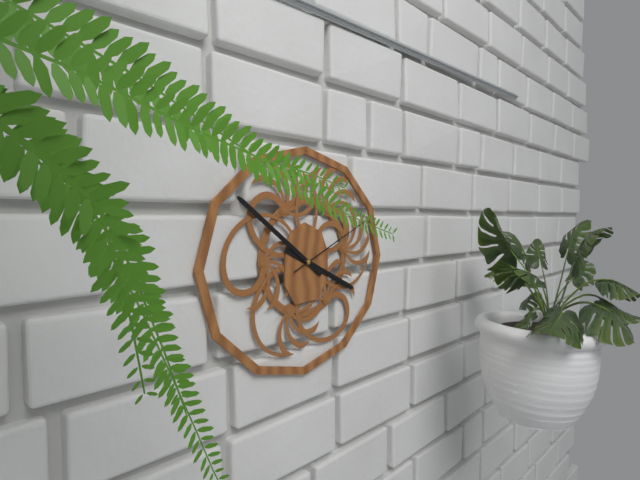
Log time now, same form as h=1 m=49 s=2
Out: h=3 m=51 s=11
